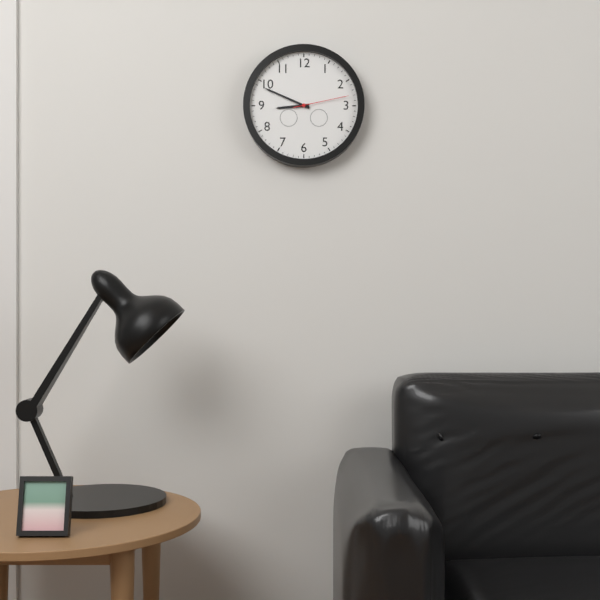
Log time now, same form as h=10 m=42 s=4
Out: h=8 m=49 s=13
